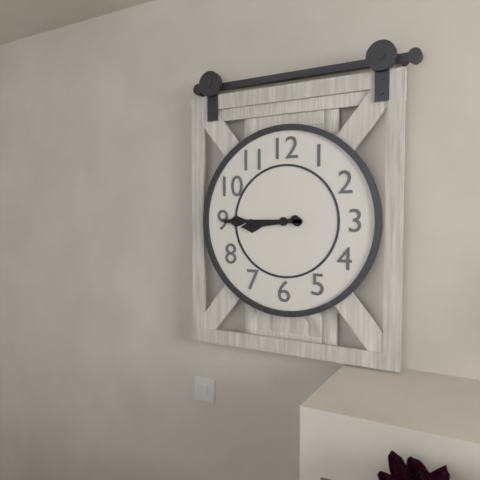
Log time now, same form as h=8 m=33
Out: h=8 m=45
